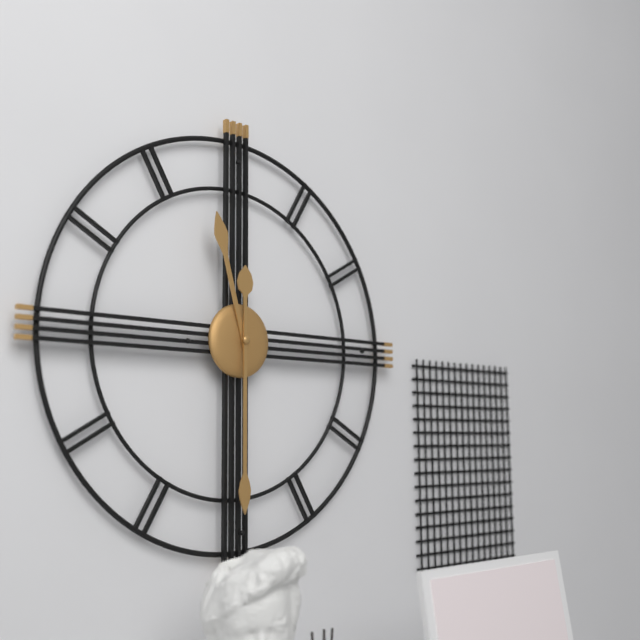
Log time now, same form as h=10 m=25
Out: h=11 m=30
